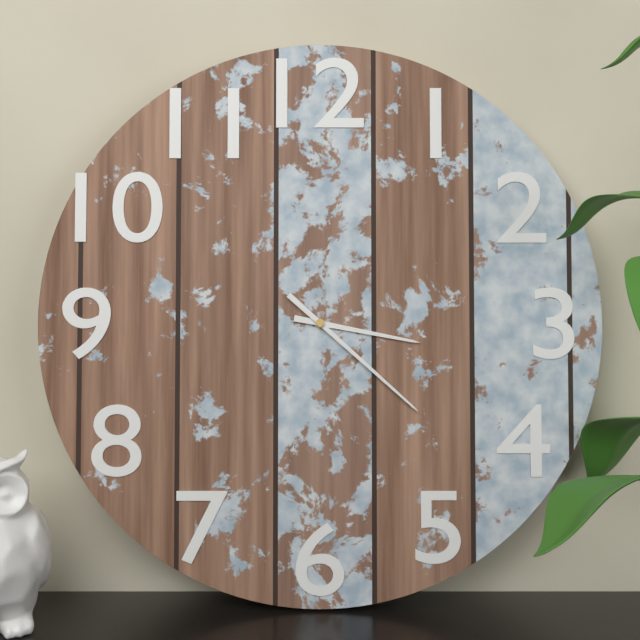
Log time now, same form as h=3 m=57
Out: h=3 m=22
